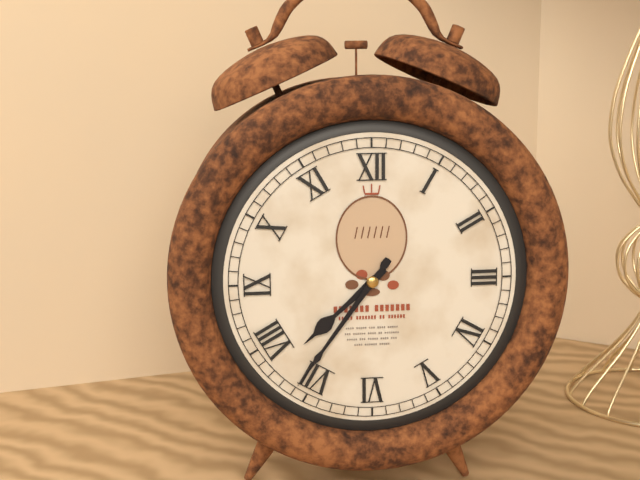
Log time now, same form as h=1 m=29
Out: h=7 m=36
